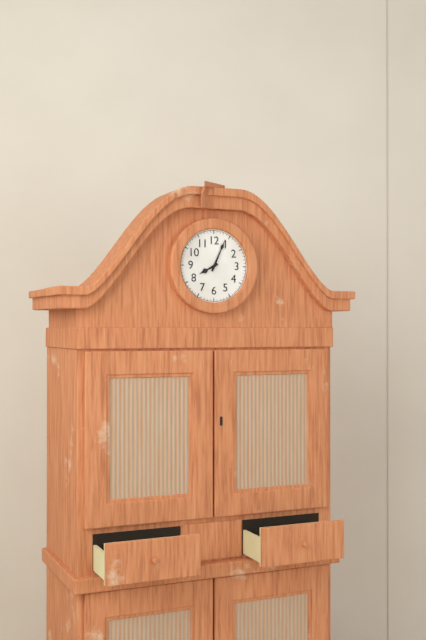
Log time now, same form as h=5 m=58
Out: h=8 m=4
